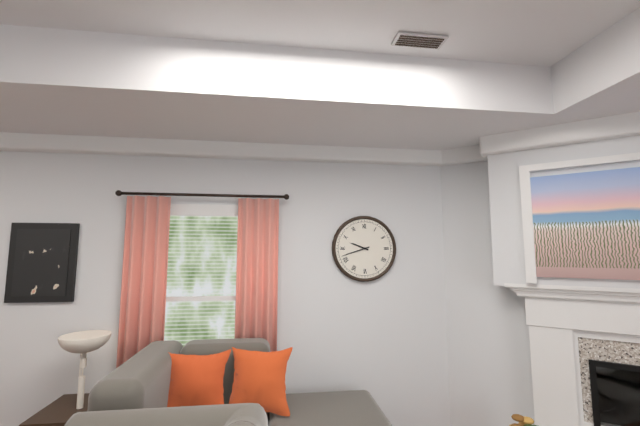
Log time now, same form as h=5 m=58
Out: h=9 m=42
